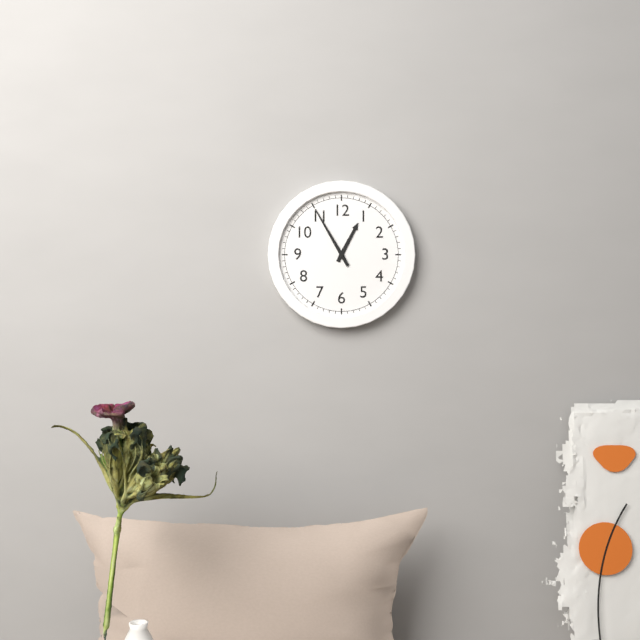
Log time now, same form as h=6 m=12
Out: h=12 m=55
